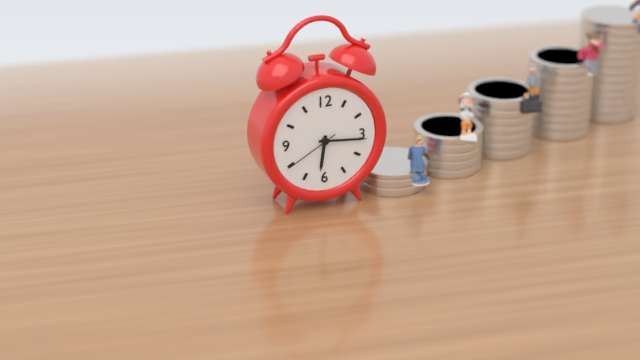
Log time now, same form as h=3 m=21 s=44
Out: h=6 m=16 s=40
